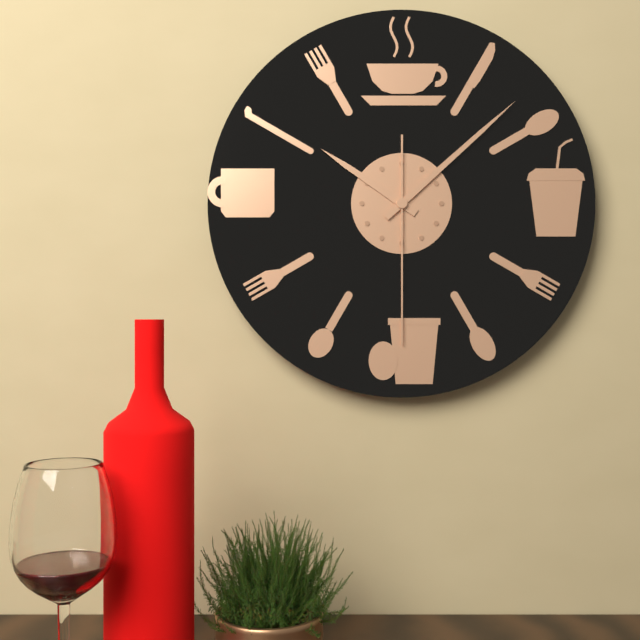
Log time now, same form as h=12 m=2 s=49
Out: h=10 m=8 s=30
